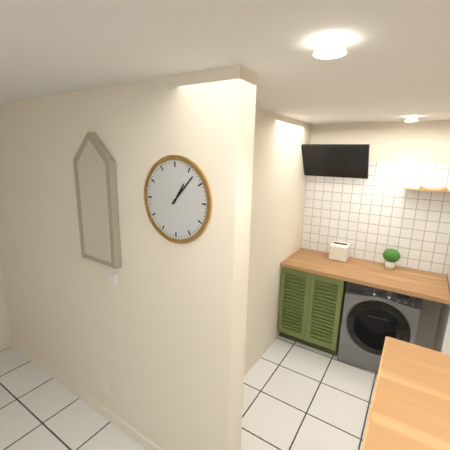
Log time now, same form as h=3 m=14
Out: h=1 m=7
